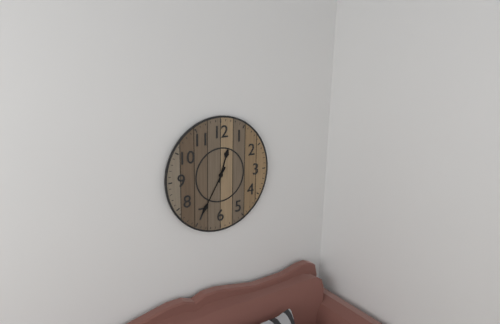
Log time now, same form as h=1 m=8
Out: h=12 m=35
